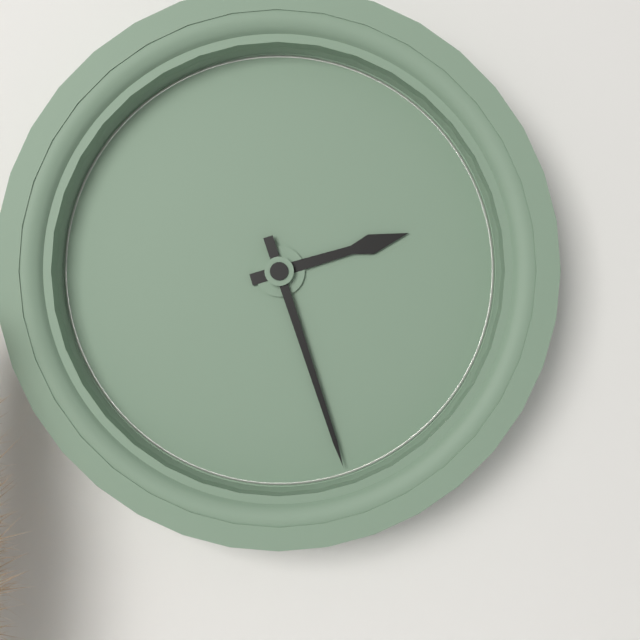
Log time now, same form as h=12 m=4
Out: h=2 m=27
